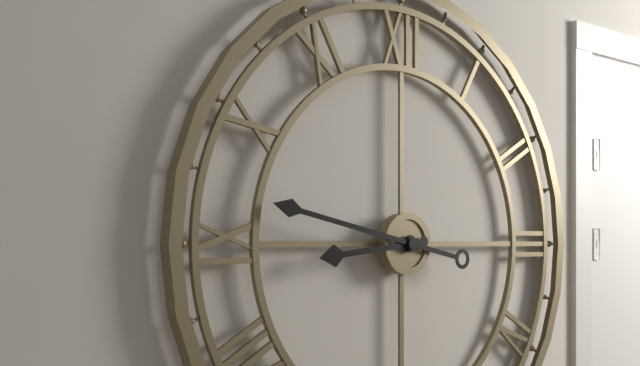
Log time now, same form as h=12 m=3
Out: h=8 m=47
